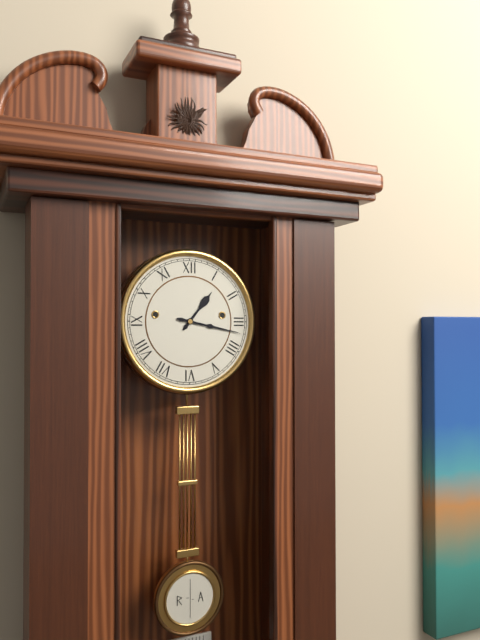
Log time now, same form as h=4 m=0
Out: h=1 m=17
